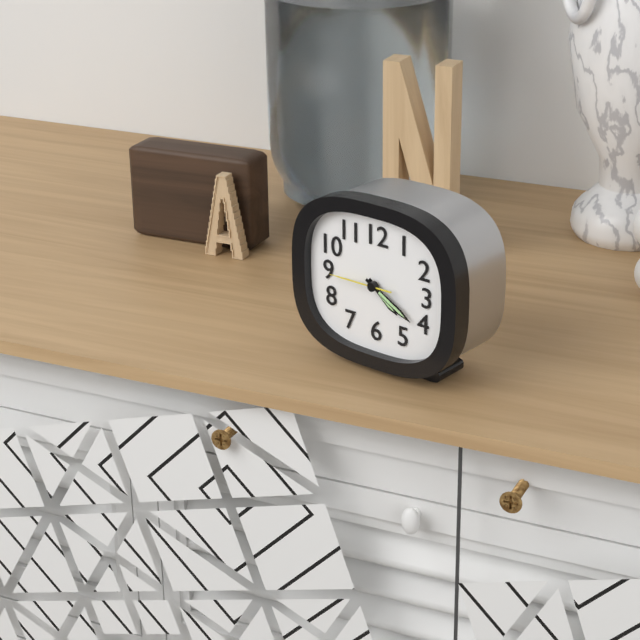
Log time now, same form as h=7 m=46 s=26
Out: h=4 m=20 s=45
